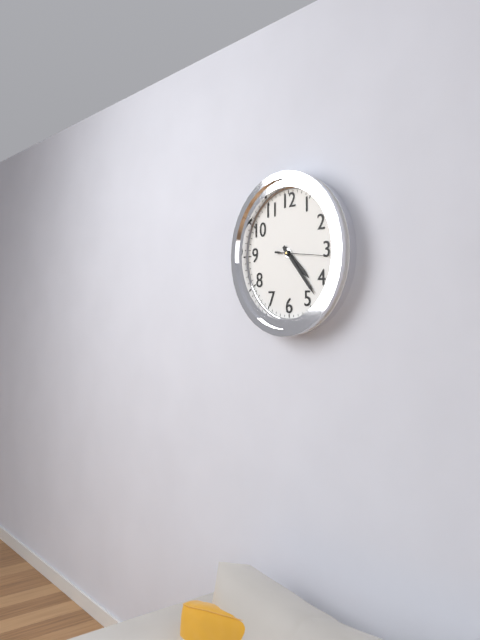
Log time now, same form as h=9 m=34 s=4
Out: h=4 m=23 s=16
